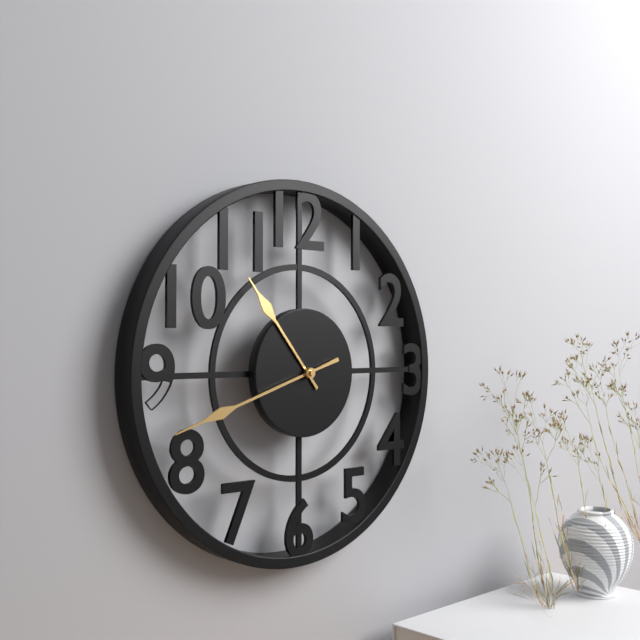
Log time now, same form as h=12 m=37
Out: h=10 m=42
